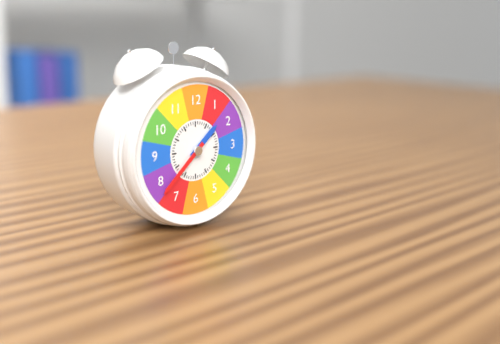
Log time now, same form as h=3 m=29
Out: h=1 m=38
